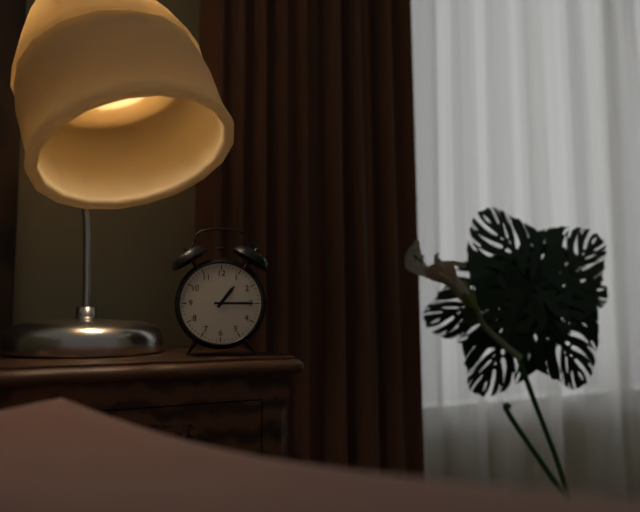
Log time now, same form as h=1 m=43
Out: h=1 m=15
